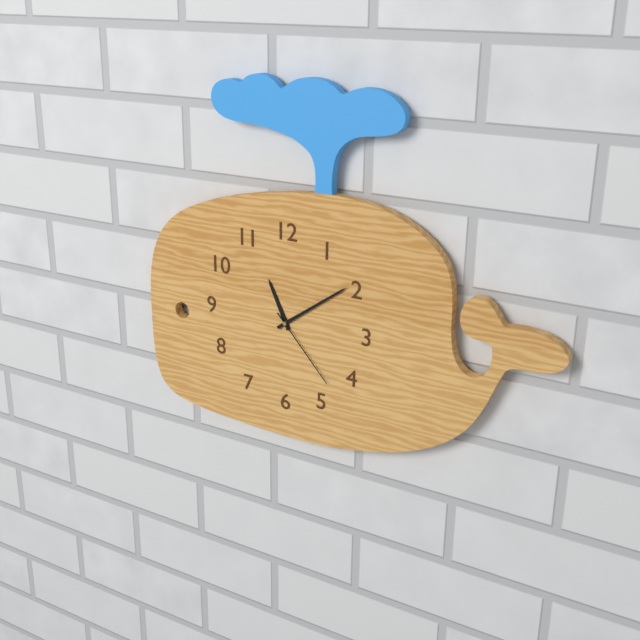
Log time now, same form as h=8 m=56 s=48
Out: h=11 m=9 s=23
